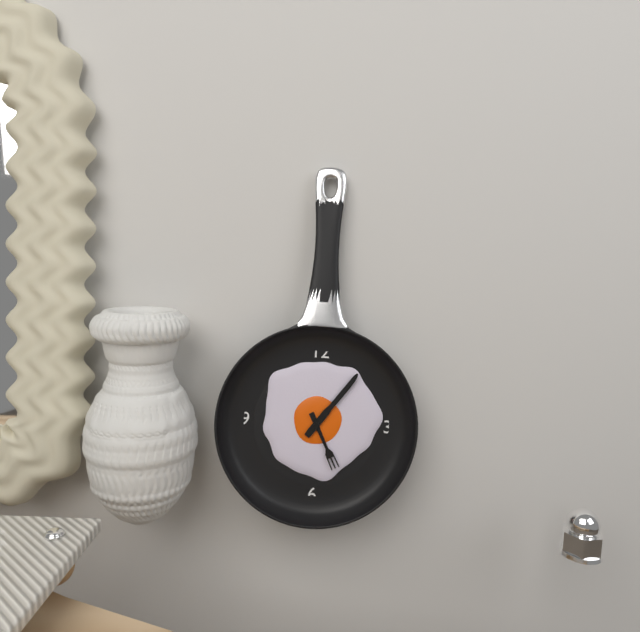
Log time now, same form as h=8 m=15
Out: h=5 m=6
